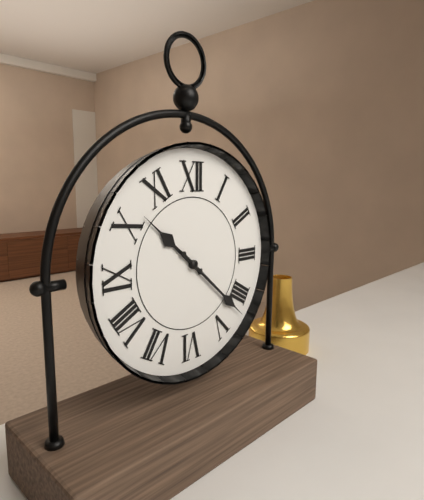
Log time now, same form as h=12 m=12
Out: h=10 m=22
